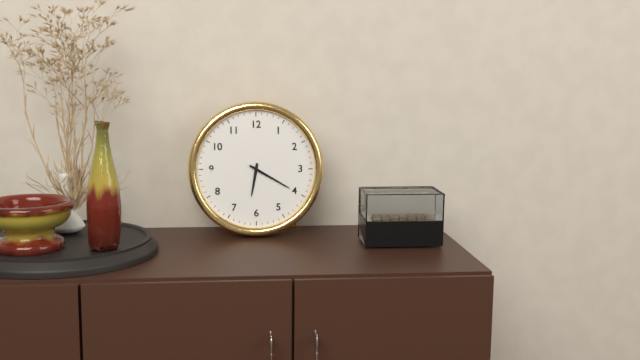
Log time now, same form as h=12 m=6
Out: h=6 m=20
